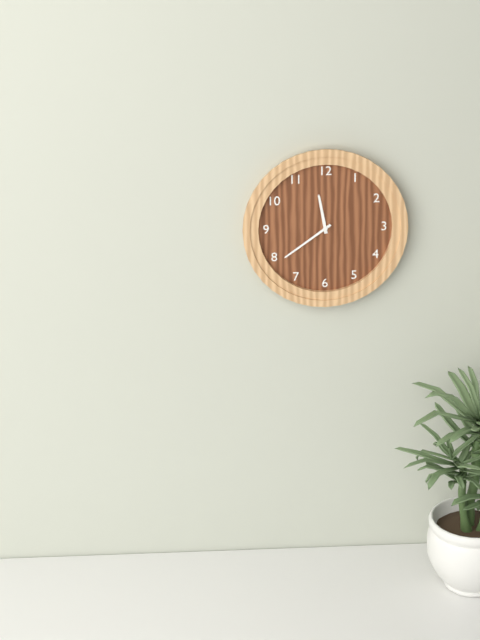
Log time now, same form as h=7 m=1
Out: h=11 m=39
